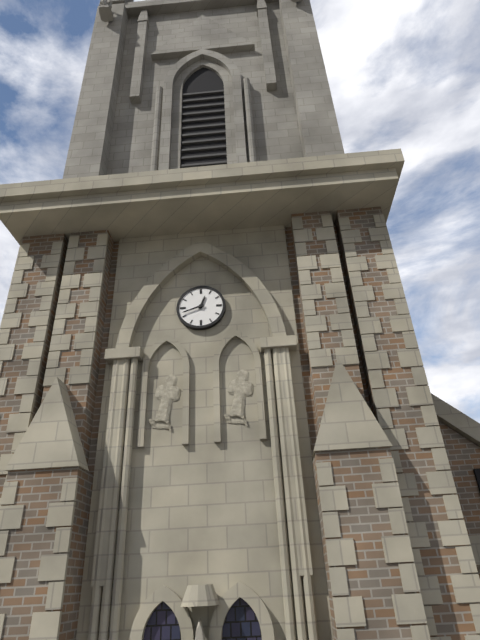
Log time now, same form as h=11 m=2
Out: h=12 m=42
